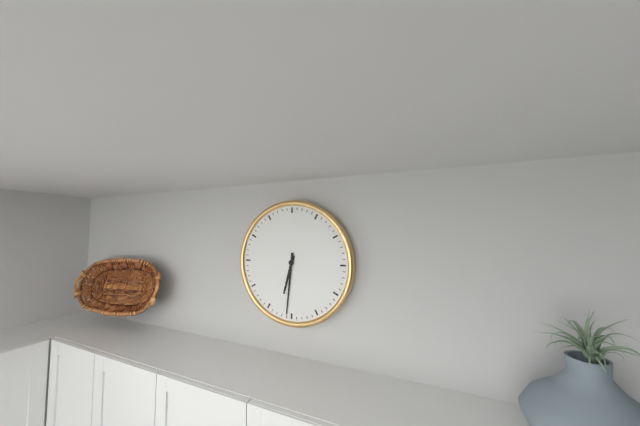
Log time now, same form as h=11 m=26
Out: h=6 m=31
